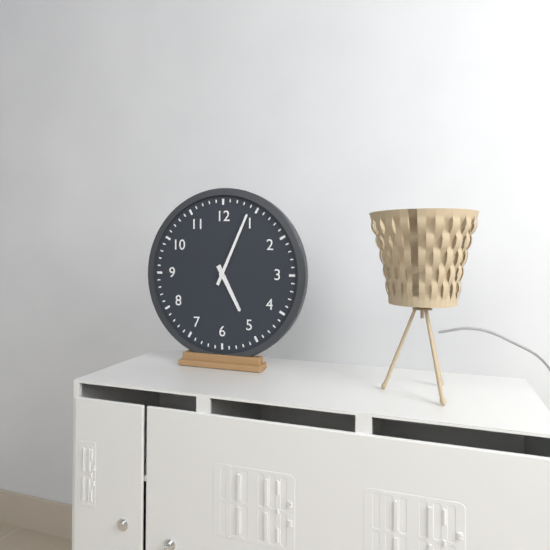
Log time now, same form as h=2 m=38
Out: h=5 m=4
